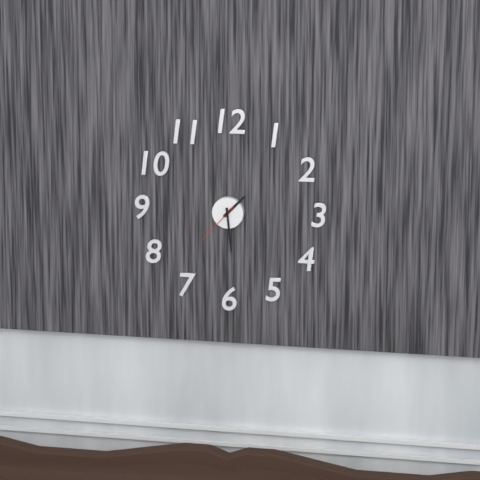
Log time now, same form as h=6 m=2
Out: h=1 m=29
